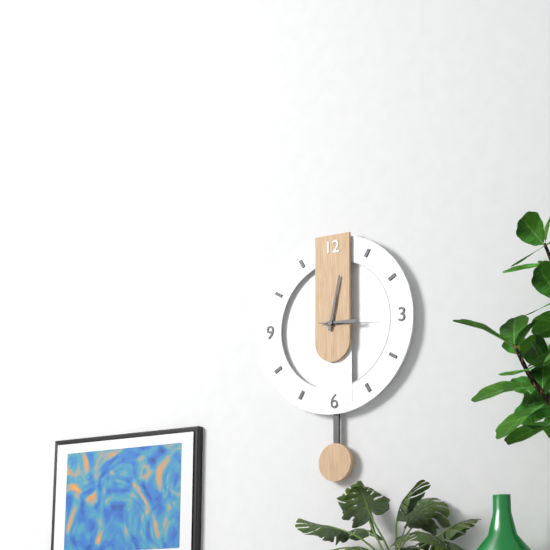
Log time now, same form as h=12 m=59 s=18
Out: h=3 m=2 s=16
